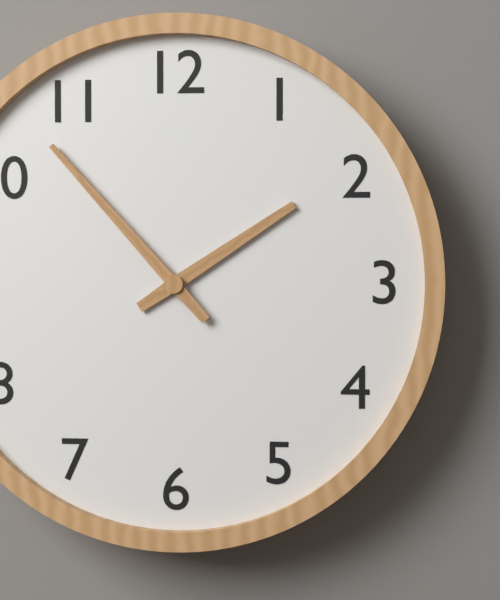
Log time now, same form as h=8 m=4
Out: h=1 m=53
